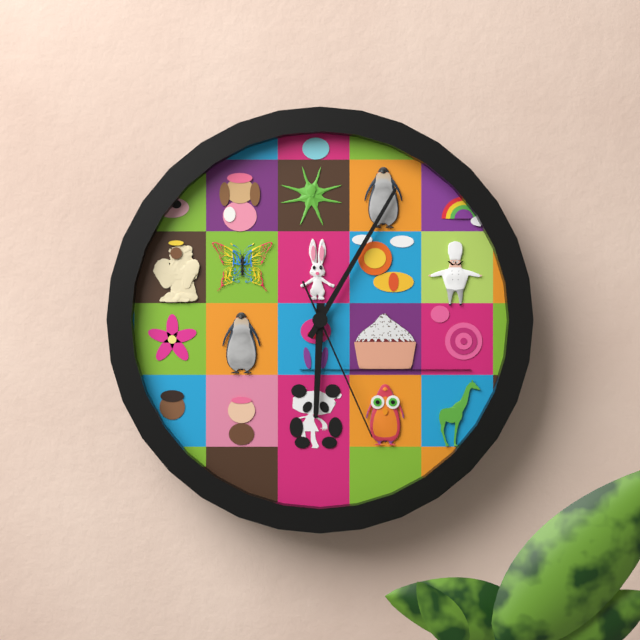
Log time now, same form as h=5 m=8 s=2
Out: h=6 m=5 s=26
